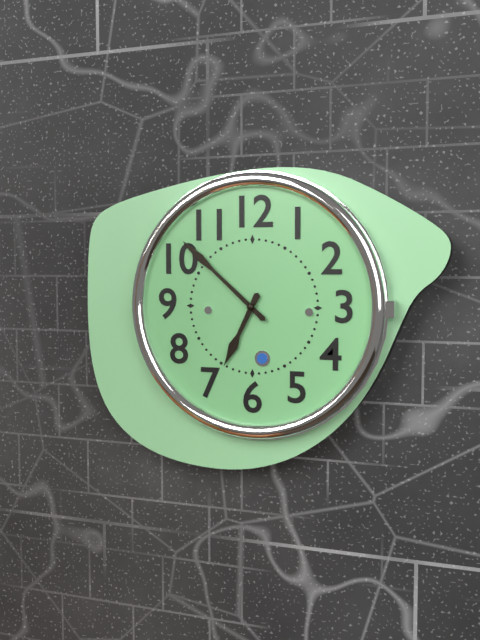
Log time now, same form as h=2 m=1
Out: h=6 m=52
